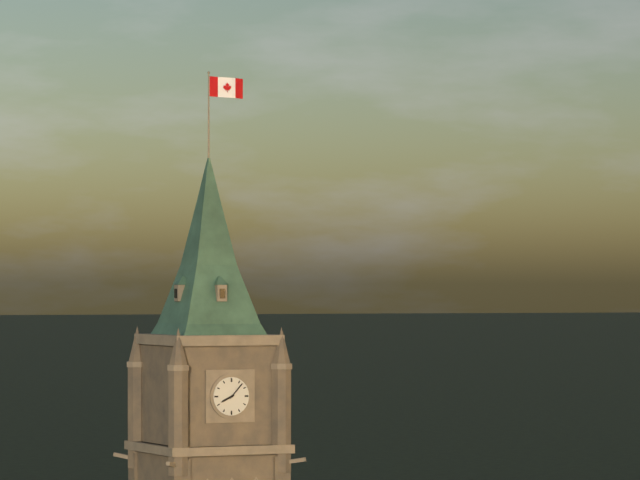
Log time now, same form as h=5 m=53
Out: h=8 m=7
